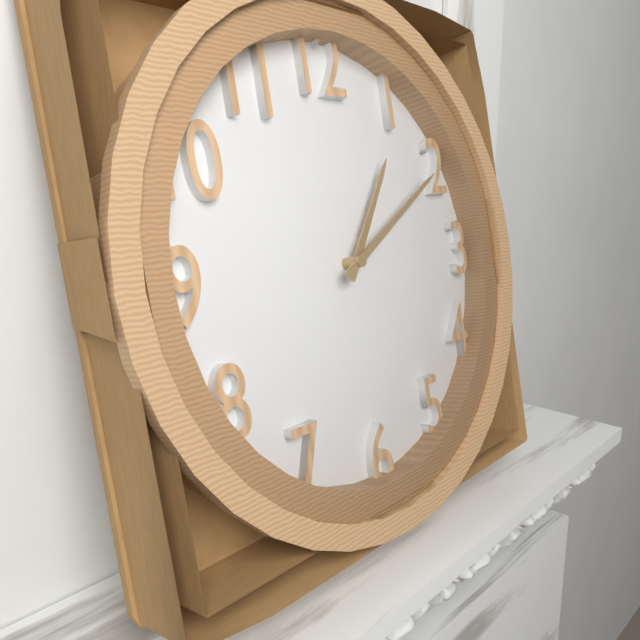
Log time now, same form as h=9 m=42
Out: h=1 m=10
